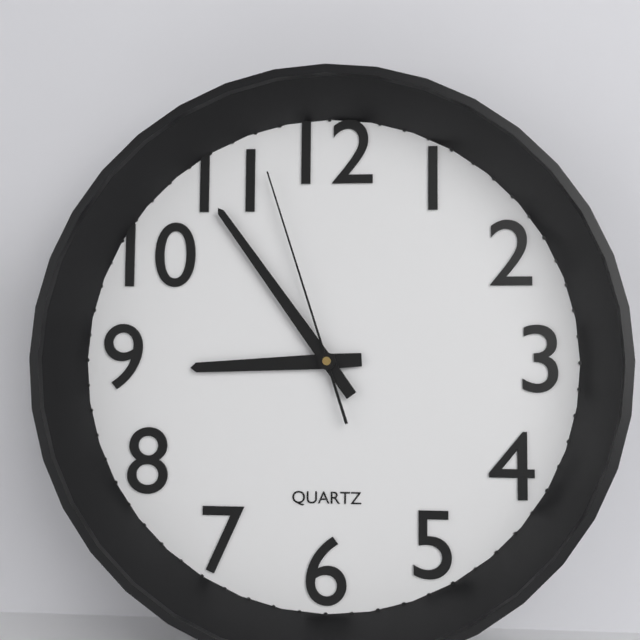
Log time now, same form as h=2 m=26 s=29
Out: h=8 m=54 s=57
